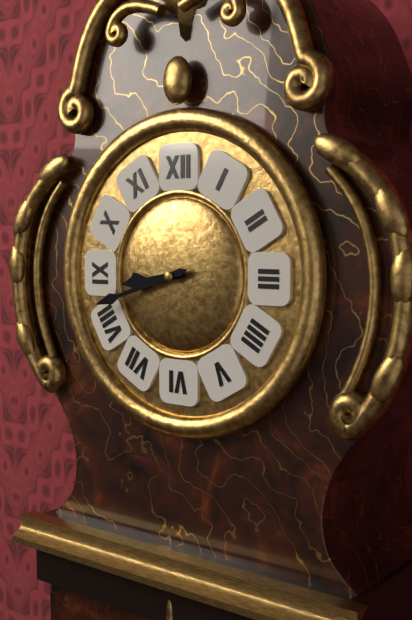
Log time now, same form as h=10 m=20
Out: h=8 m=42
